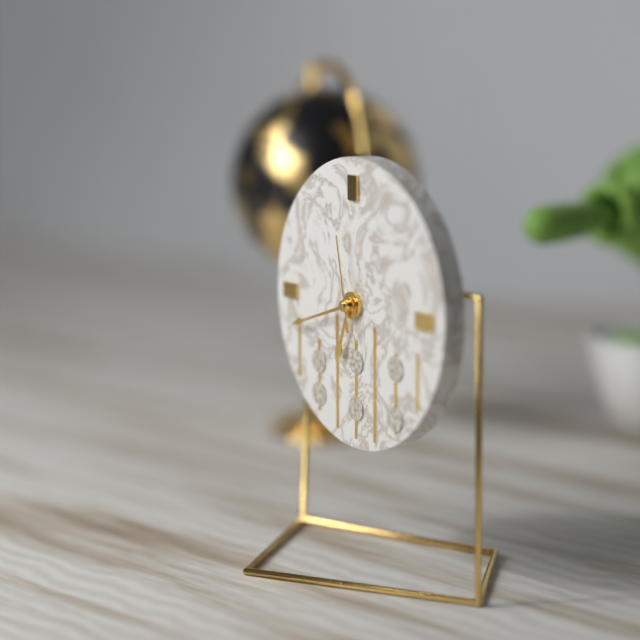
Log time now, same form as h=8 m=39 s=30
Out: h=6 m=42 s=58
